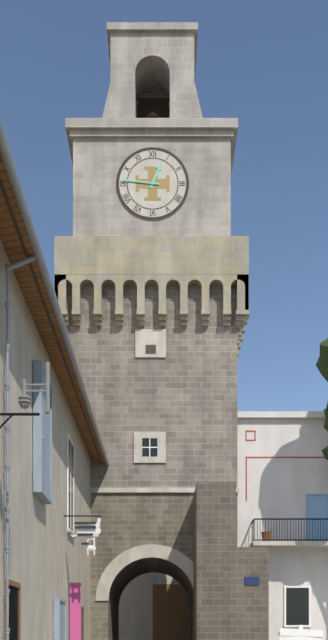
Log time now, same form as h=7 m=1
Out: h=12 m=46
